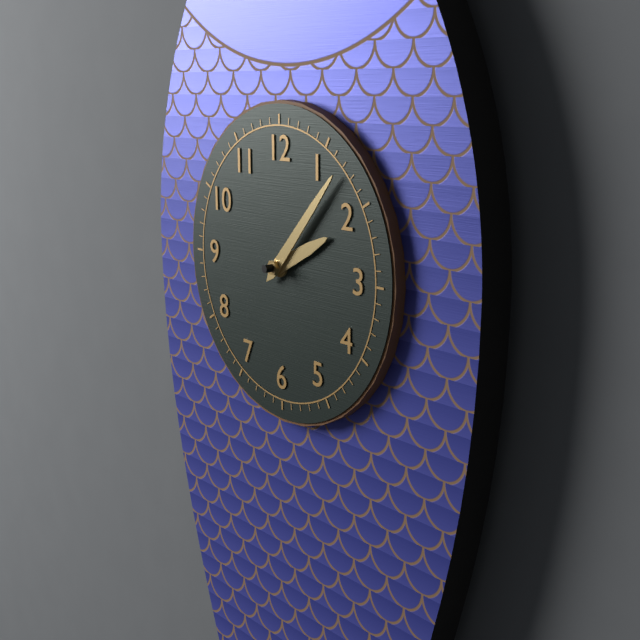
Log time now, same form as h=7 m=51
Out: h=2 m=7
